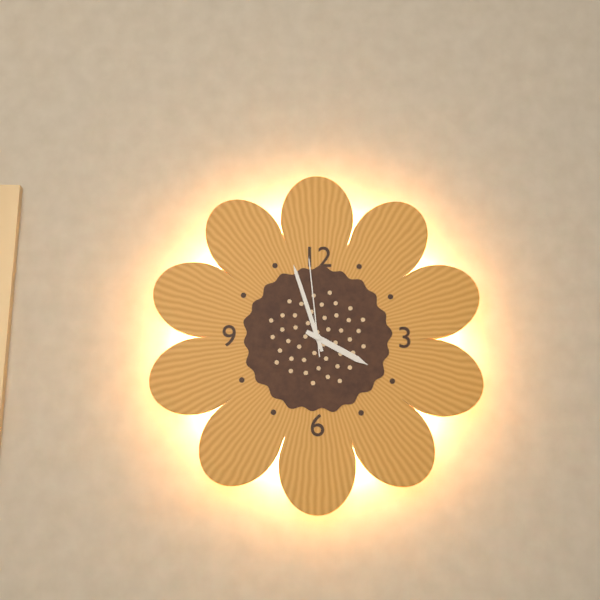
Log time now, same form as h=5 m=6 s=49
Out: h=3 m=57 s=59
